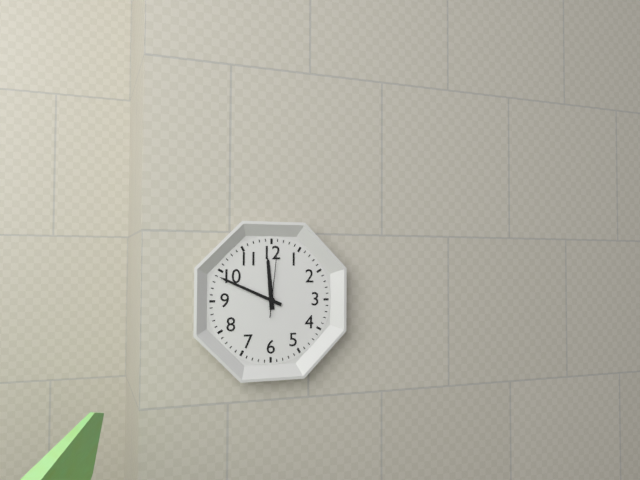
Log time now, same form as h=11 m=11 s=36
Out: h=11 m=49 s=1
